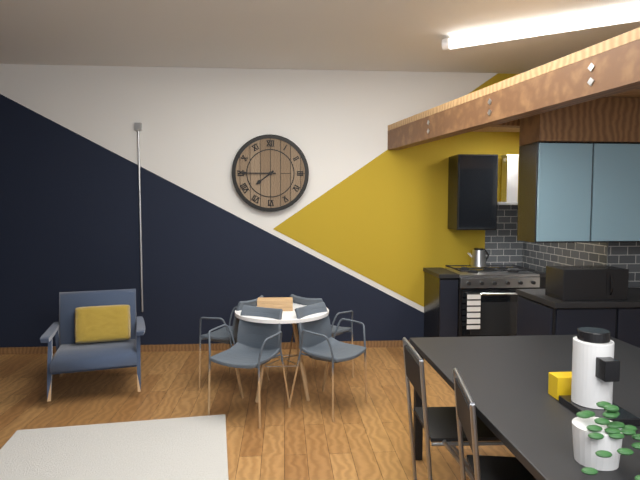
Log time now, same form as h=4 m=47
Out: h=7 m=45
